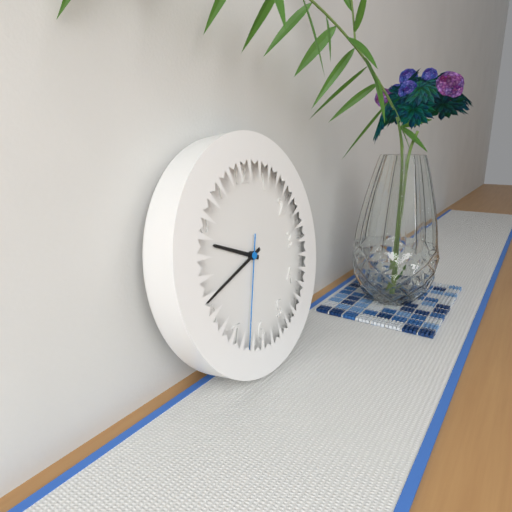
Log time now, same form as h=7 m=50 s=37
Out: h=9 m=42 s=33
